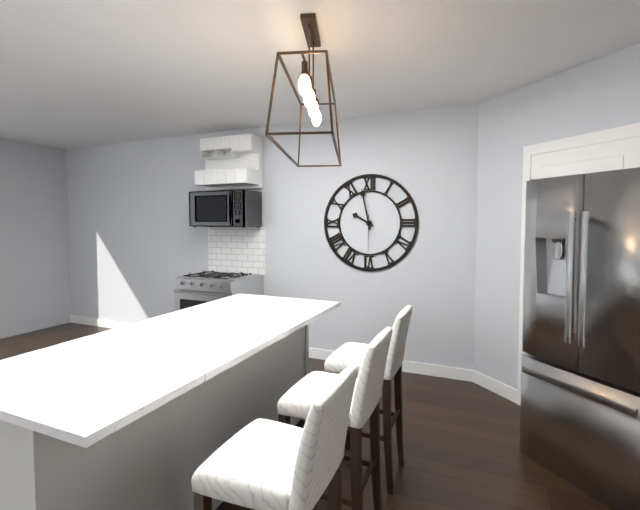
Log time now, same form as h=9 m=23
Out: h=9 m=58
